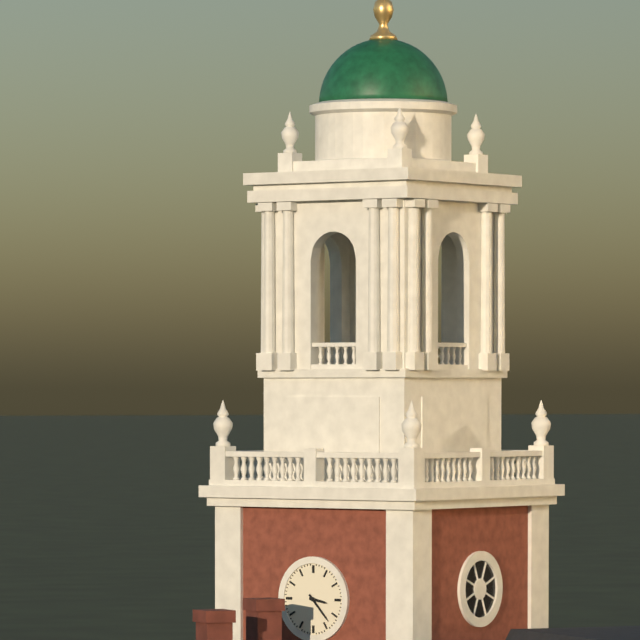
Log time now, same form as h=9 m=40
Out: h=3 m=23
